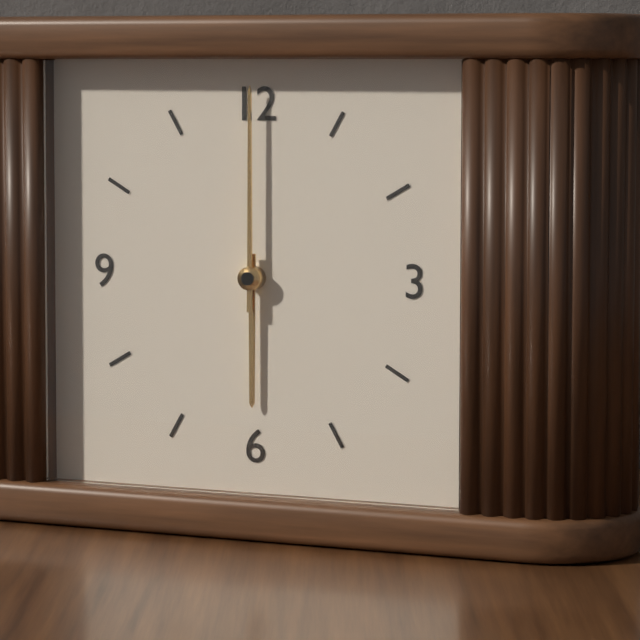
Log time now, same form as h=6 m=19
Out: h=6 m=0
